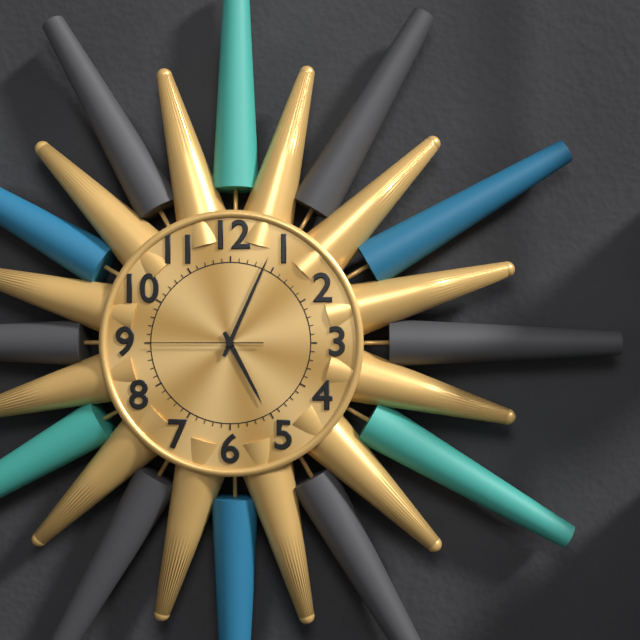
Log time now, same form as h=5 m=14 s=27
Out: h=5 m=4 s=45
